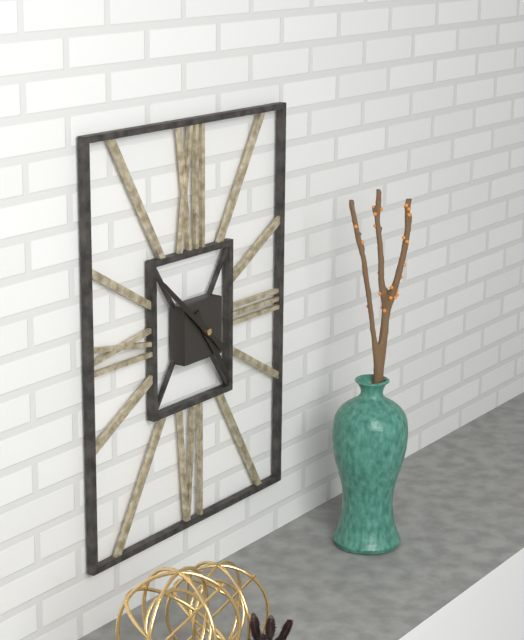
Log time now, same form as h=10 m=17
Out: h=4 m=52
